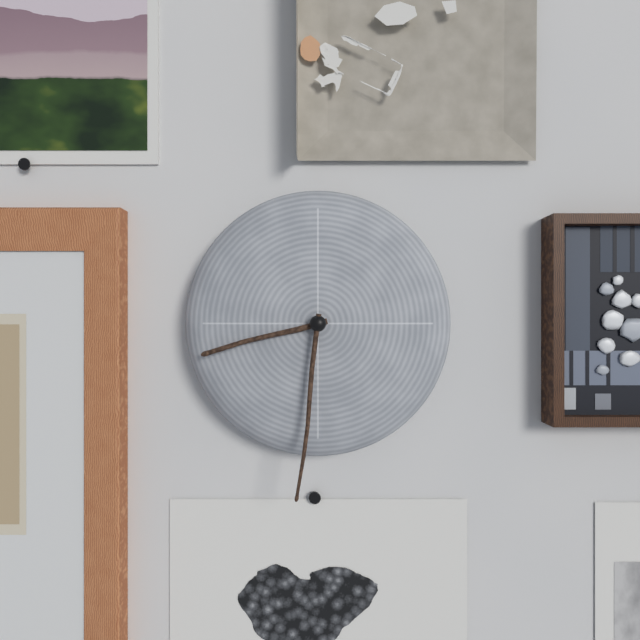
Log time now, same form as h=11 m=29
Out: h=8 m=31
